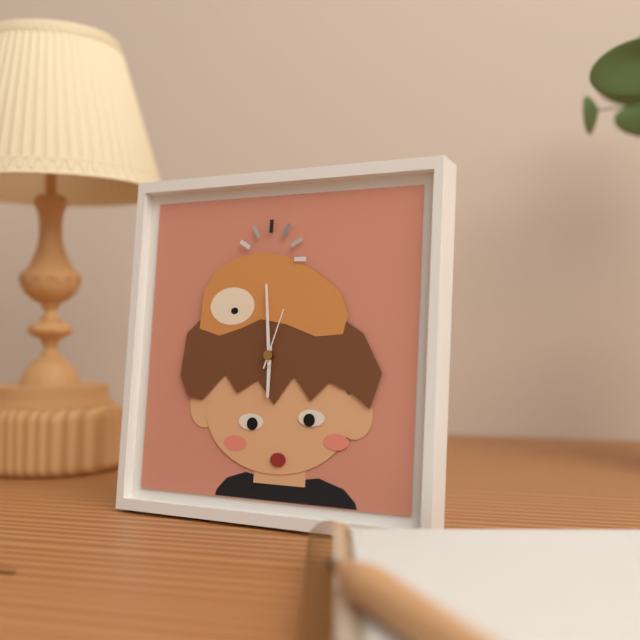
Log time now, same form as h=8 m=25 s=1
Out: h=5 m=59 s=3
